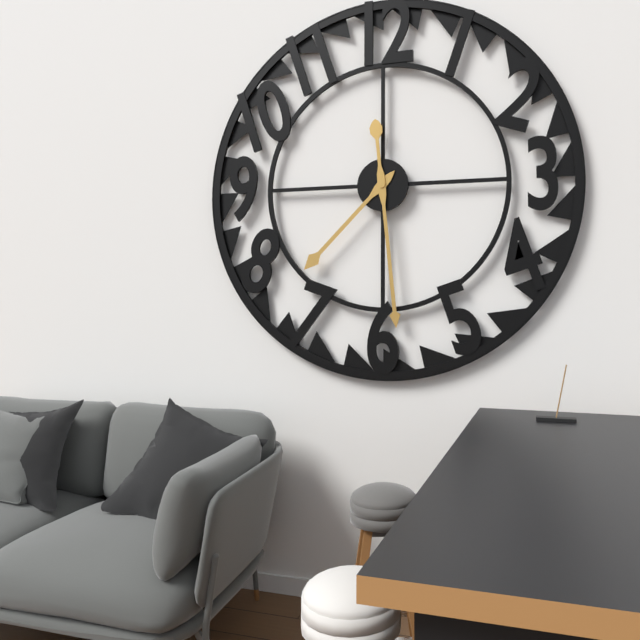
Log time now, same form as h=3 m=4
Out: h=7 m=29
